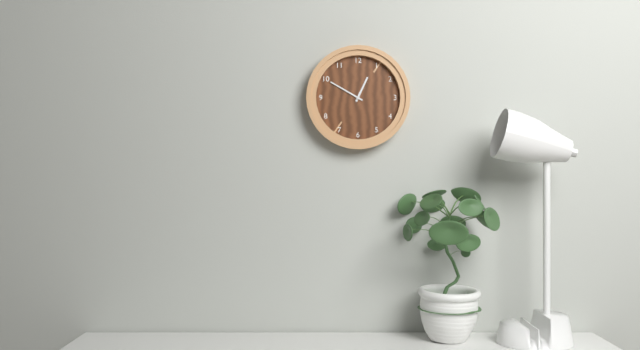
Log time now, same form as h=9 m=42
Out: h=12 m=50
